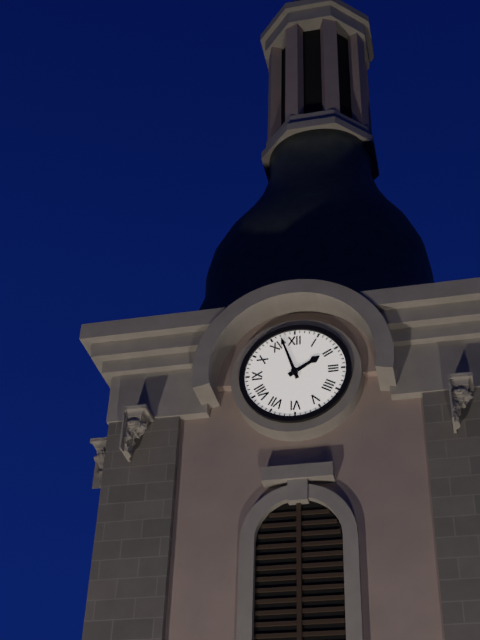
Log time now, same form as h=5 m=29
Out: h=1 m=57
